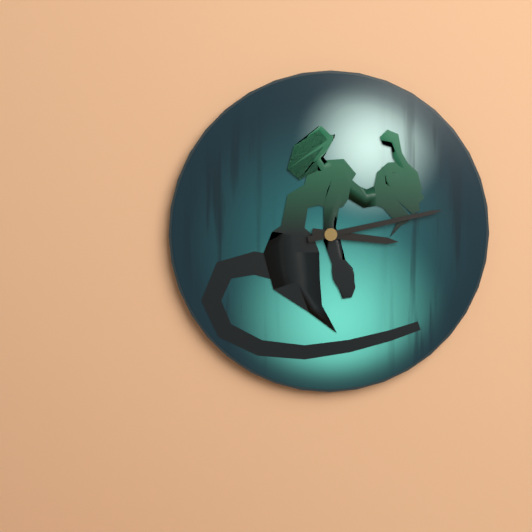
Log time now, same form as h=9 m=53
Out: h=3 m=13
